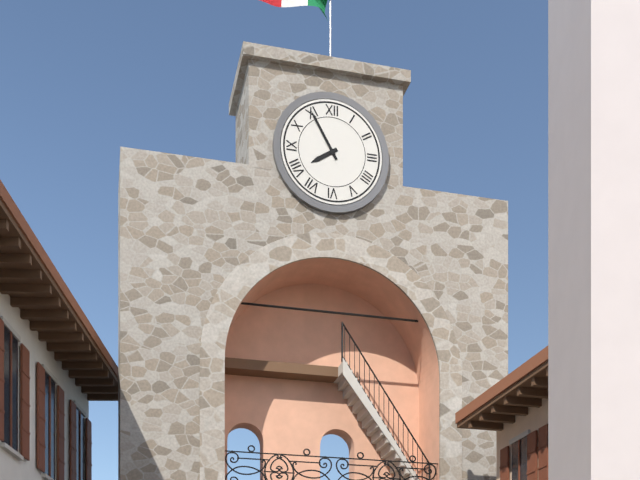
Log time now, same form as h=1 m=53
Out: h=7 m=55
